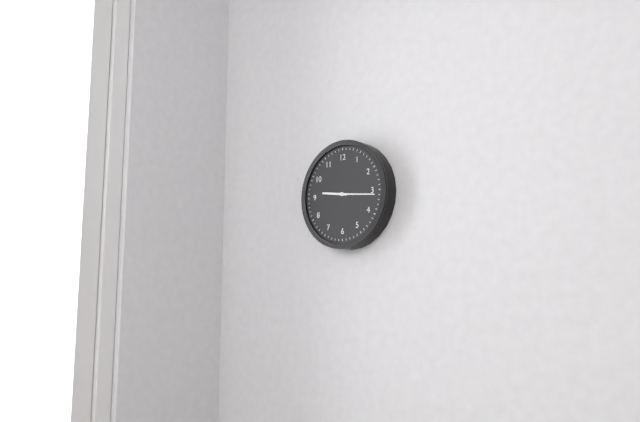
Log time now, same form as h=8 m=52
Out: h=9 m=16
